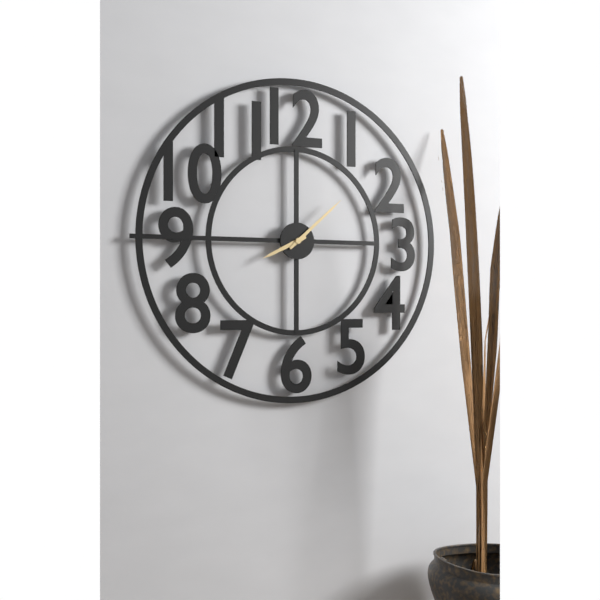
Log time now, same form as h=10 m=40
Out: h=8 m=8
